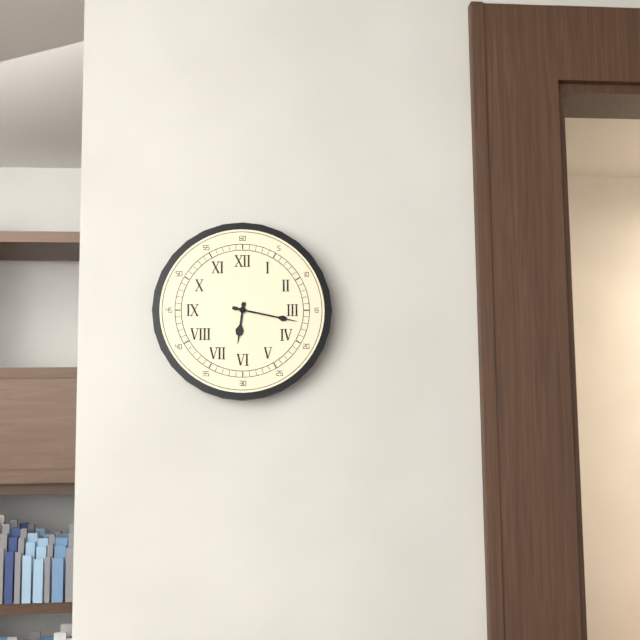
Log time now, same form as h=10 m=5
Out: h=6 m=17
